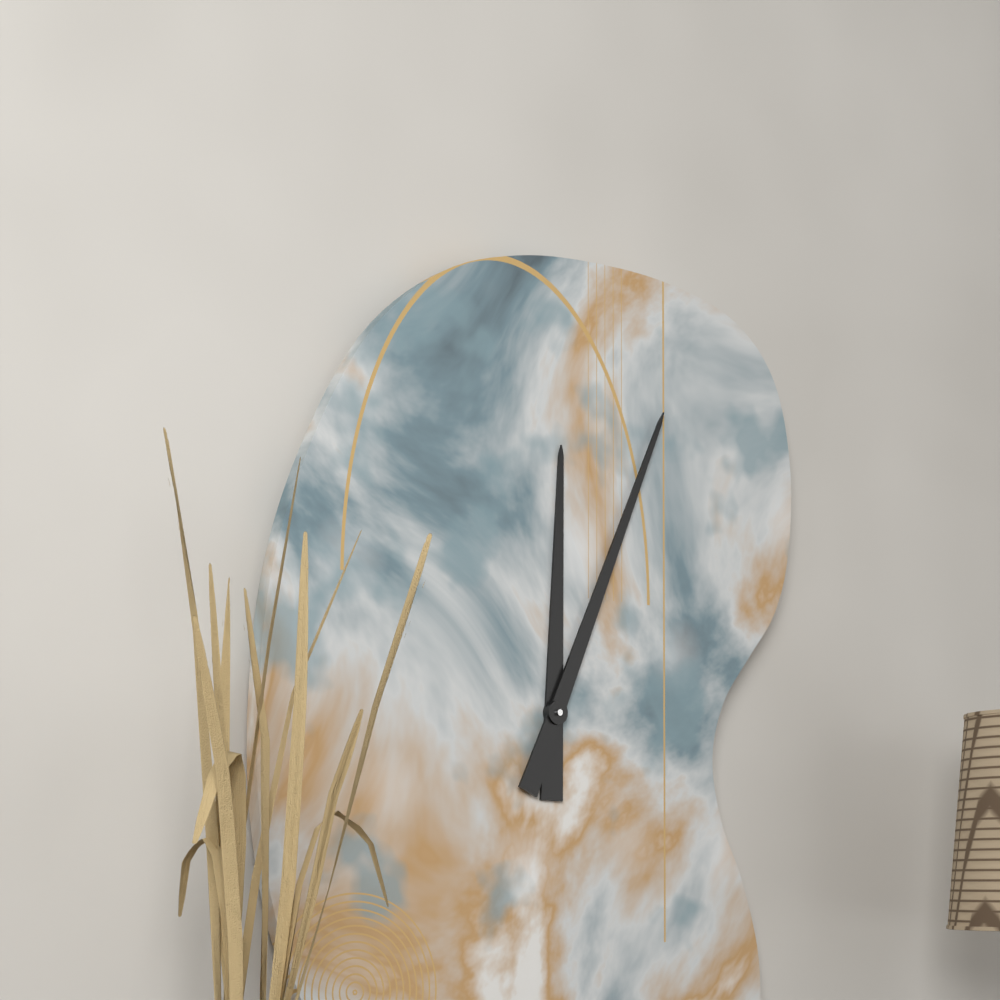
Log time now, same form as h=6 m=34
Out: h=12 m=4
